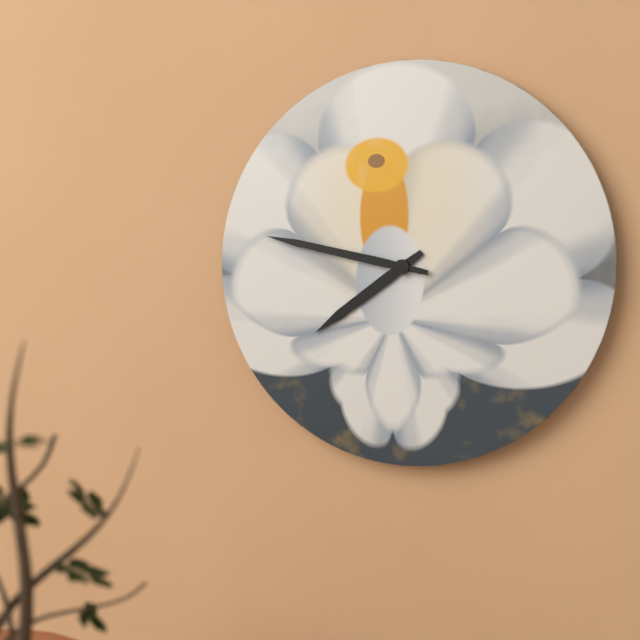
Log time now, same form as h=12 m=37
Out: h=7 m=47
